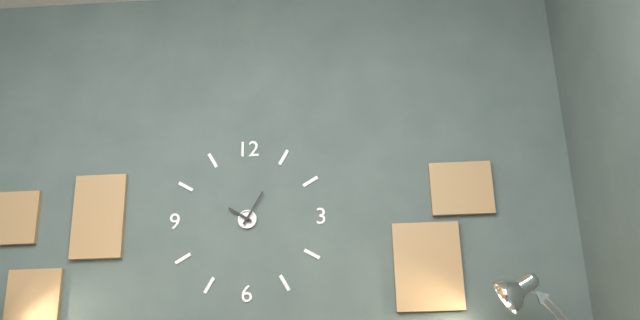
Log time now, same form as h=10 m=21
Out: h=10 m=5
